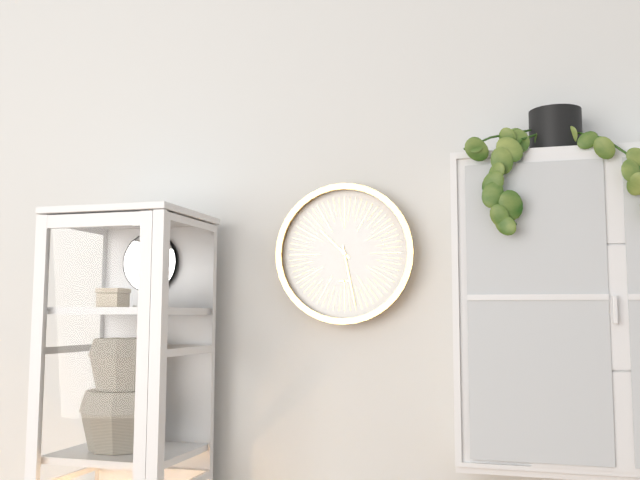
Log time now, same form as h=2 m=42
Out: h=10 m=28
